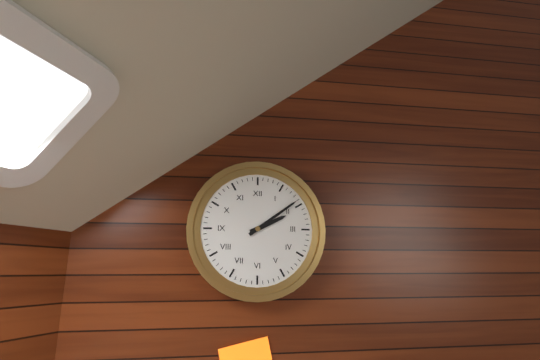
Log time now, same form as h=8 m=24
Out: h=2 m=9
